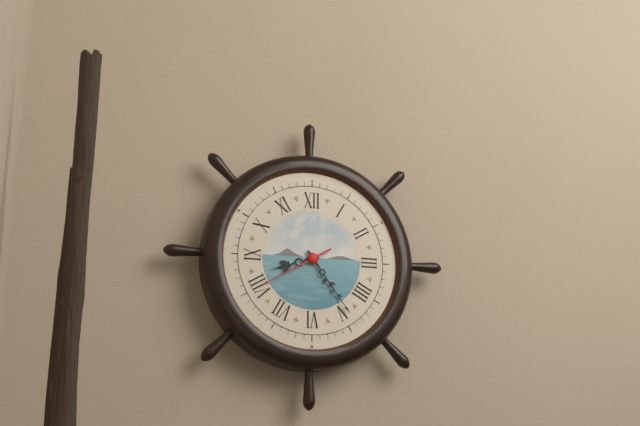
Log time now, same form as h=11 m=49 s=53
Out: h=8 m=24 s=40
